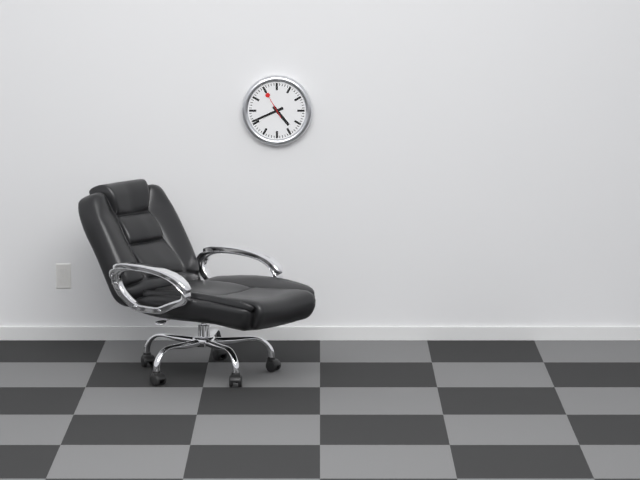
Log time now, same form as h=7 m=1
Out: h=4 m=41
